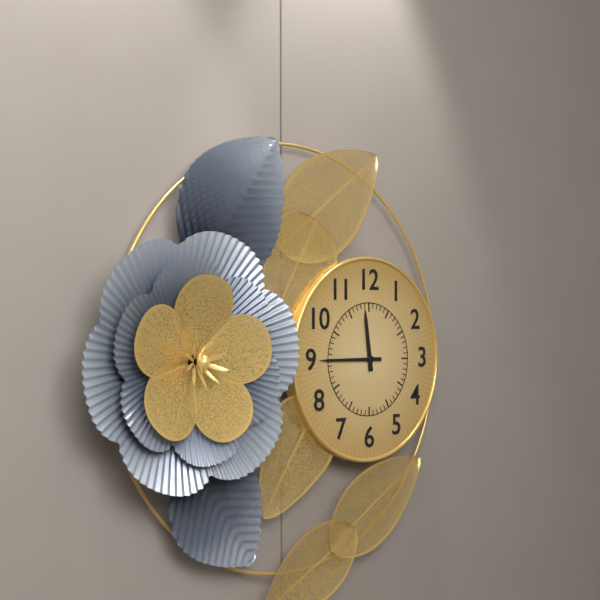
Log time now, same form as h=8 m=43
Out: h=11 m=45
